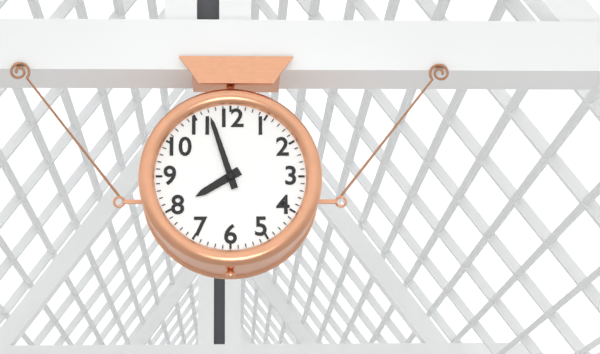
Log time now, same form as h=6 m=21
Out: h=7 m=57
